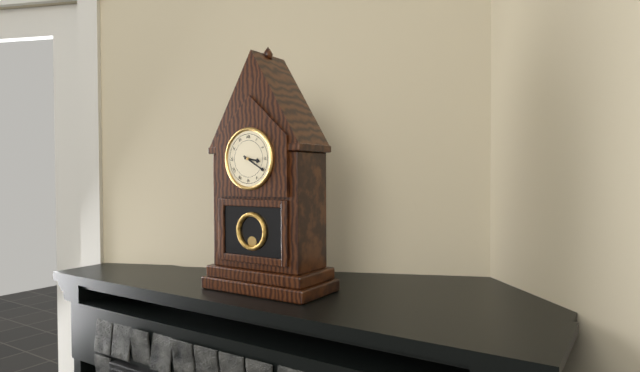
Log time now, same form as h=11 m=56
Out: h=3 m=20
